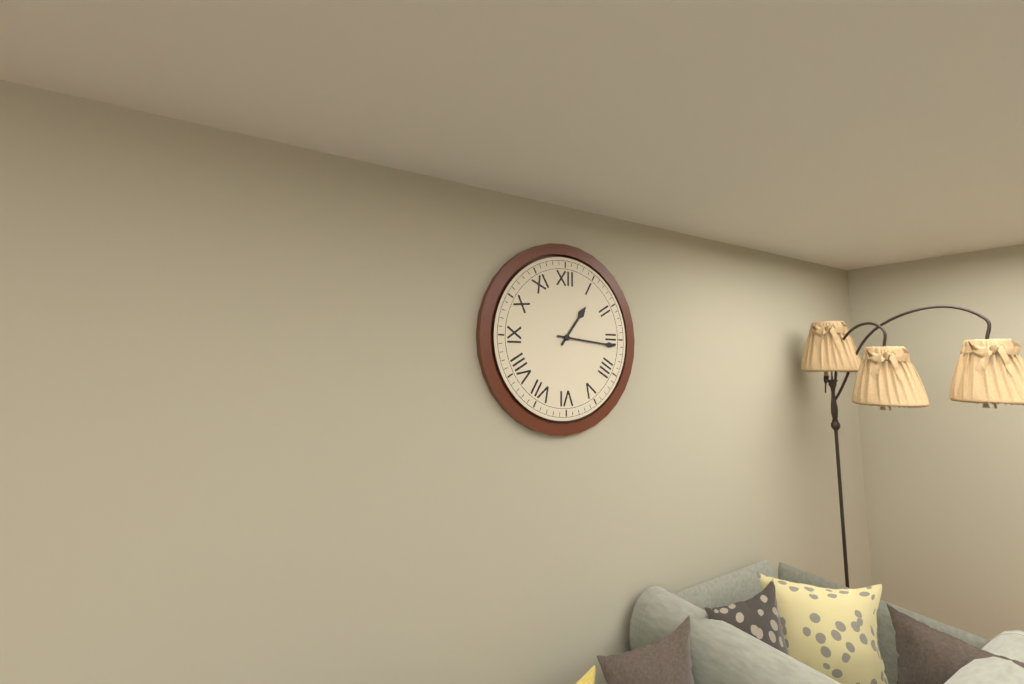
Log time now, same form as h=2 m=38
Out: h=1 m=16
